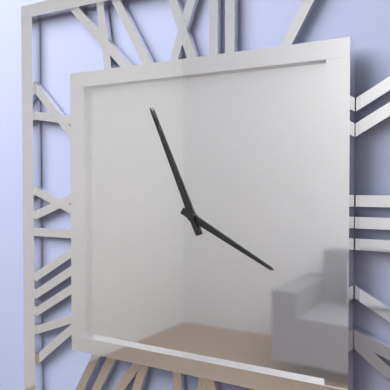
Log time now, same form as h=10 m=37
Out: h=3 m=56
